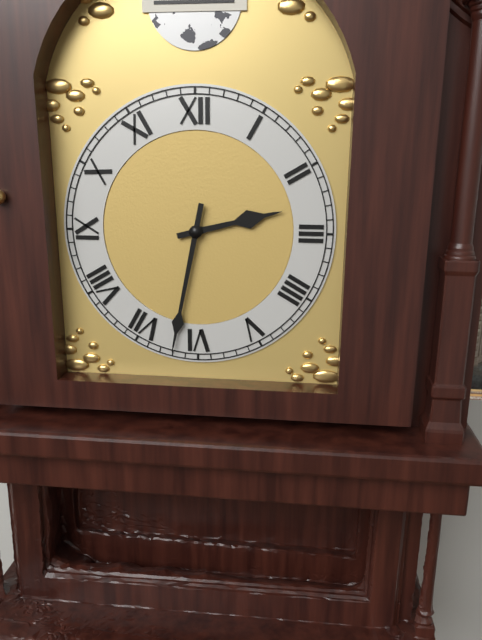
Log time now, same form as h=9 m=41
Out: h=2 m=32
